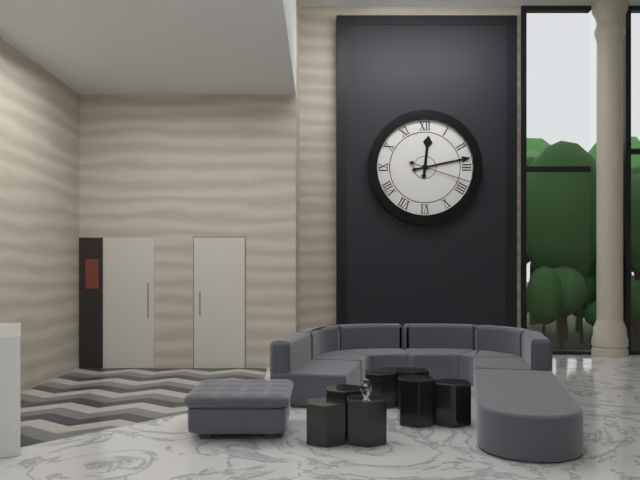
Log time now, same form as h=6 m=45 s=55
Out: h=12 m=13 s=18
